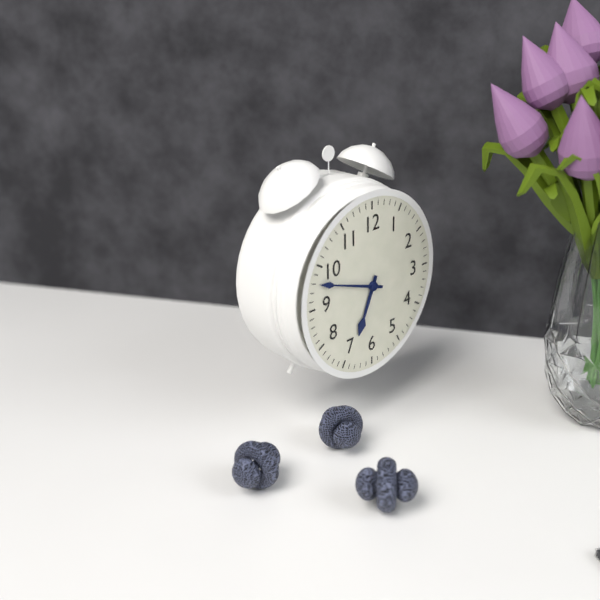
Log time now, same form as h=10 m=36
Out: h=6 m=48
